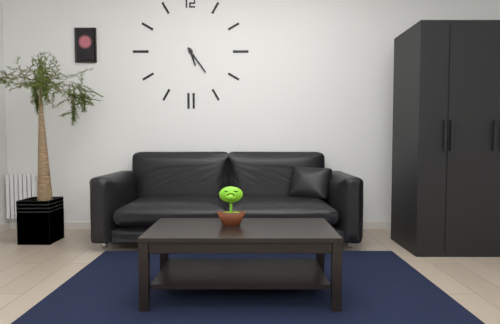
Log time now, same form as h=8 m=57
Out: h=5 m=24
